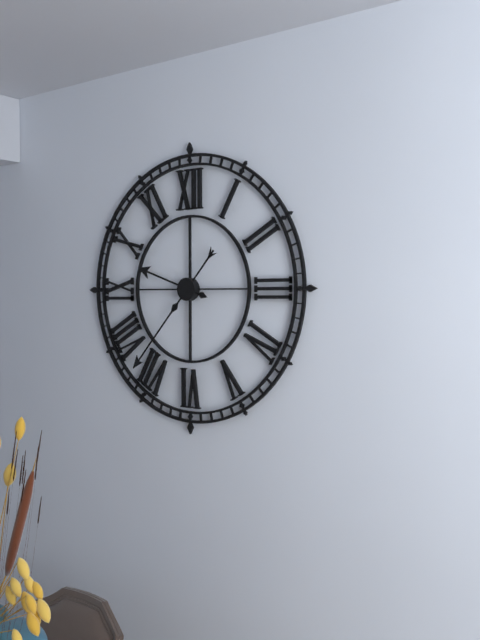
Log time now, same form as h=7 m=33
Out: h=9 m=37
